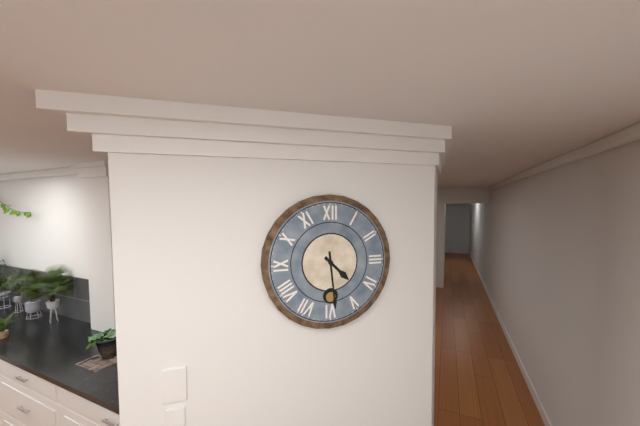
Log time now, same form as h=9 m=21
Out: h=4 m=29
